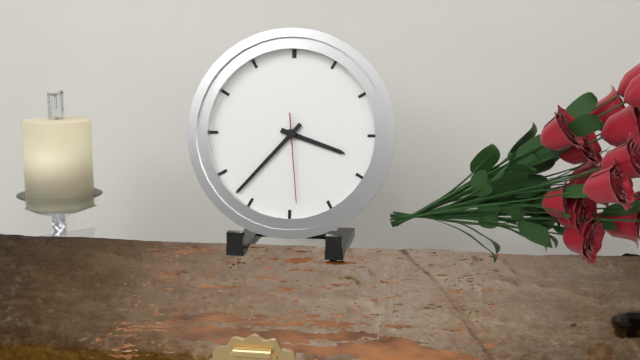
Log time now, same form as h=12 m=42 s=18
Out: h=3 m=37 s=29
